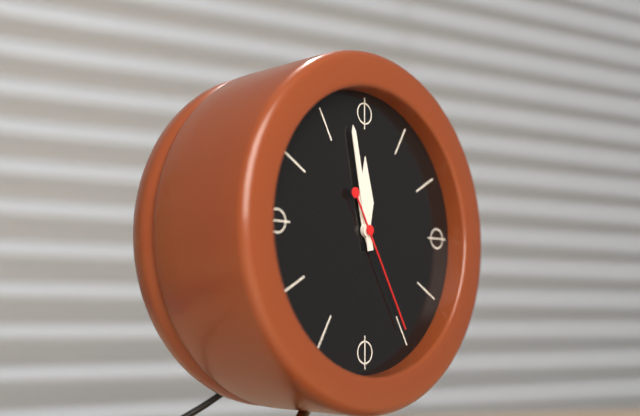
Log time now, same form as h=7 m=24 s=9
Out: h=11 m=58 s=25
